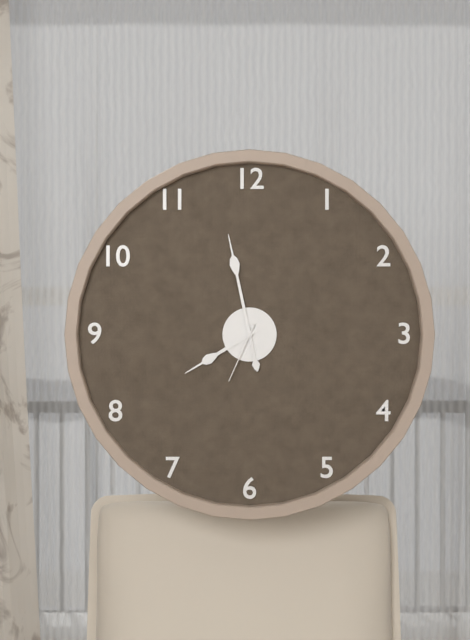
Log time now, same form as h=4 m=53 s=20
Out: h=7 m=58 s=34
